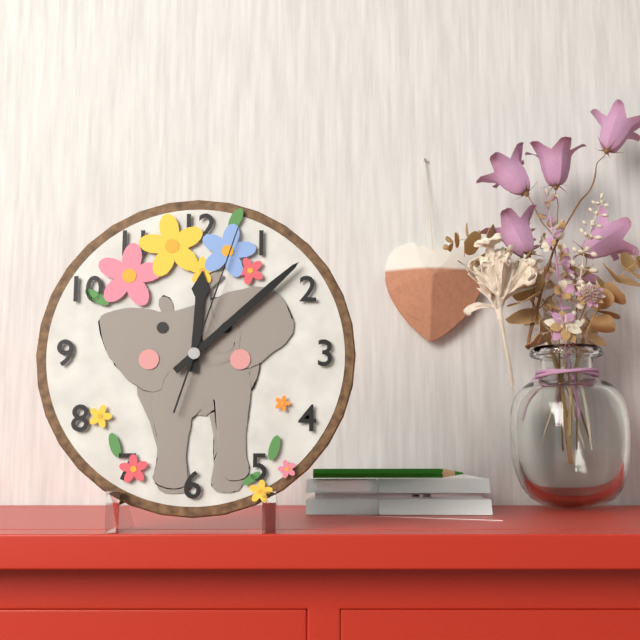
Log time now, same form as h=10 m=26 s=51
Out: h=12 m=8 s=3
